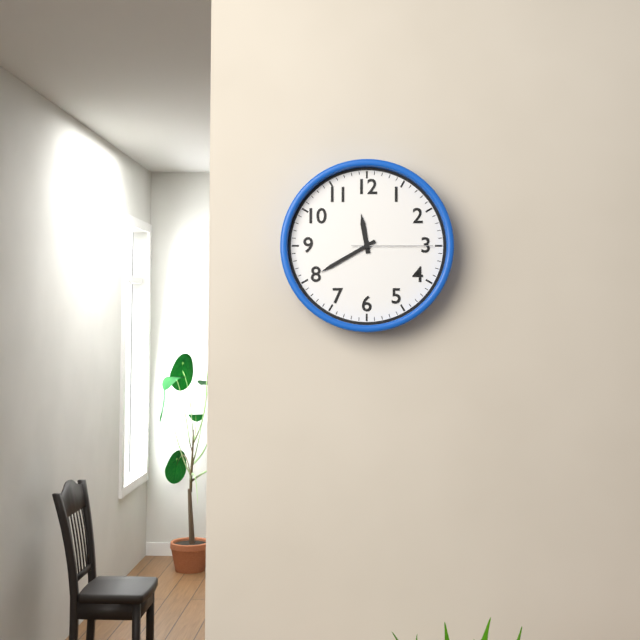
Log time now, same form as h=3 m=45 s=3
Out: h=11 m=40 s=15
